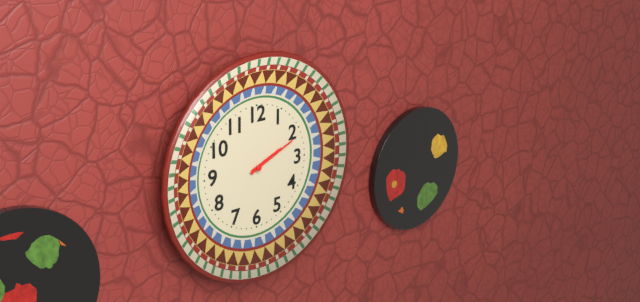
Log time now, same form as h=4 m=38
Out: h=2 m=11
